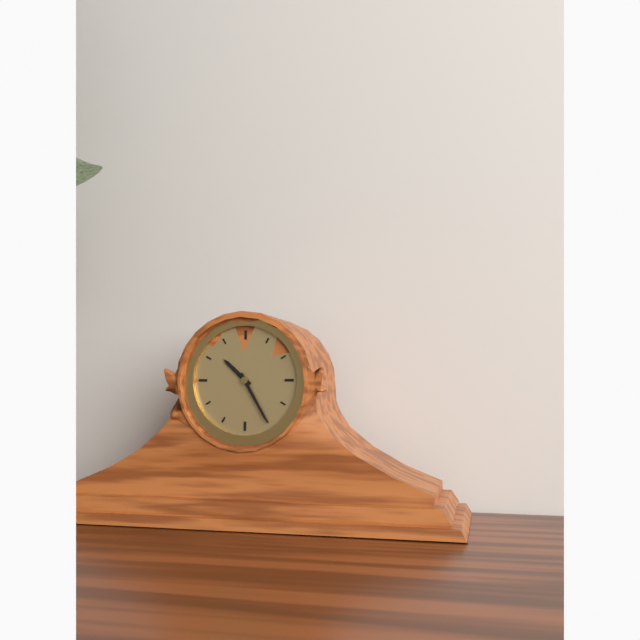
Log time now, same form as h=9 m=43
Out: h=10 m=25
